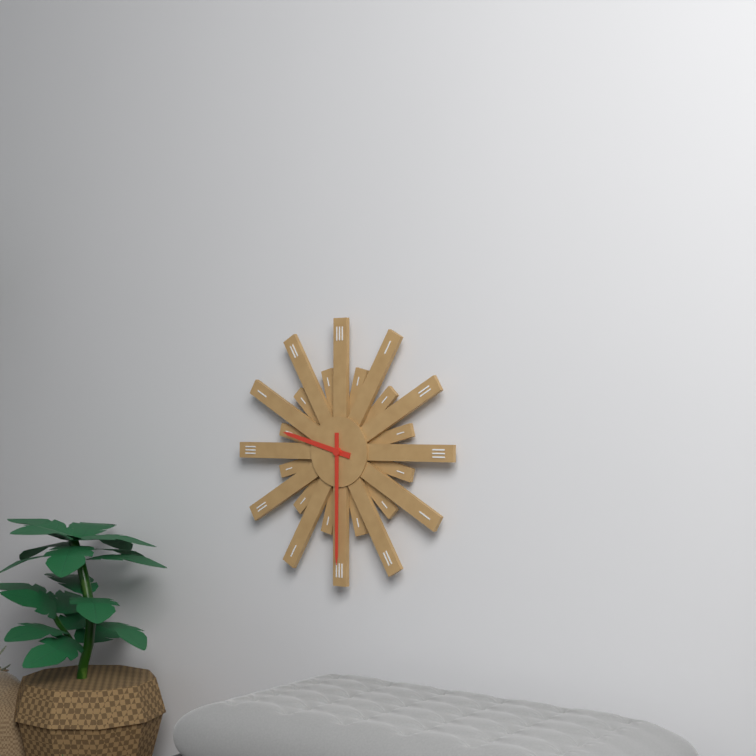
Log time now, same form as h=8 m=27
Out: h=9 m=30
